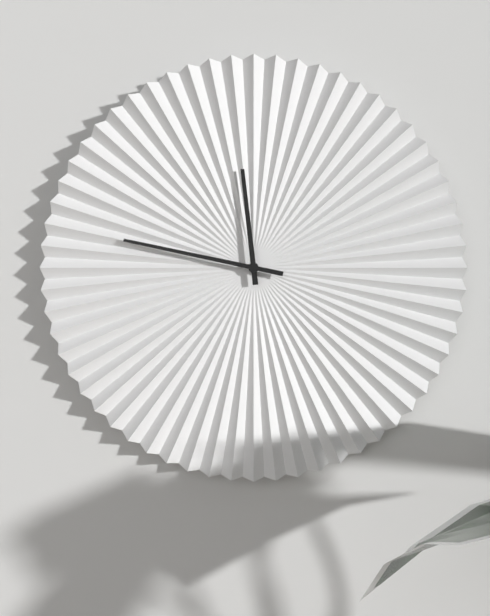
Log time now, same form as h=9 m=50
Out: h=11 m=47
